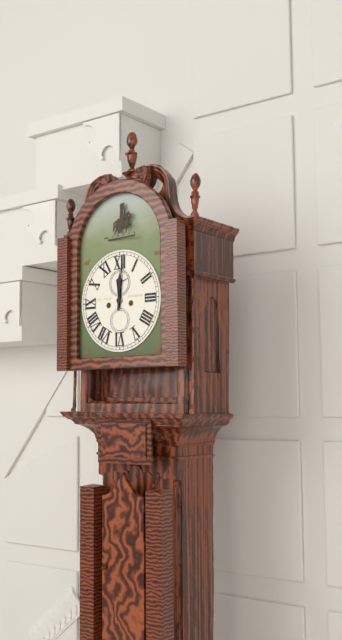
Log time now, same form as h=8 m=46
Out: h=12 m=1
